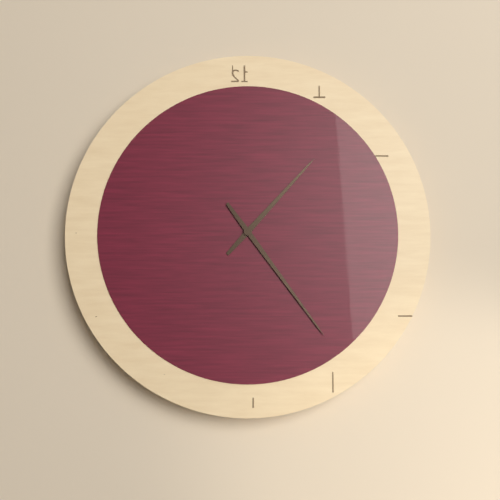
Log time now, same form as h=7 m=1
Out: h=1 m=24
